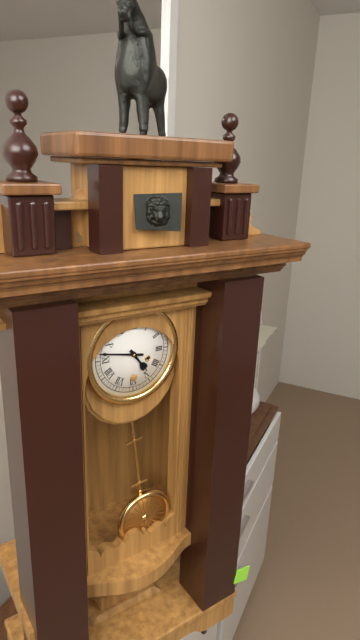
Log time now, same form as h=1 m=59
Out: h=4 m=47
